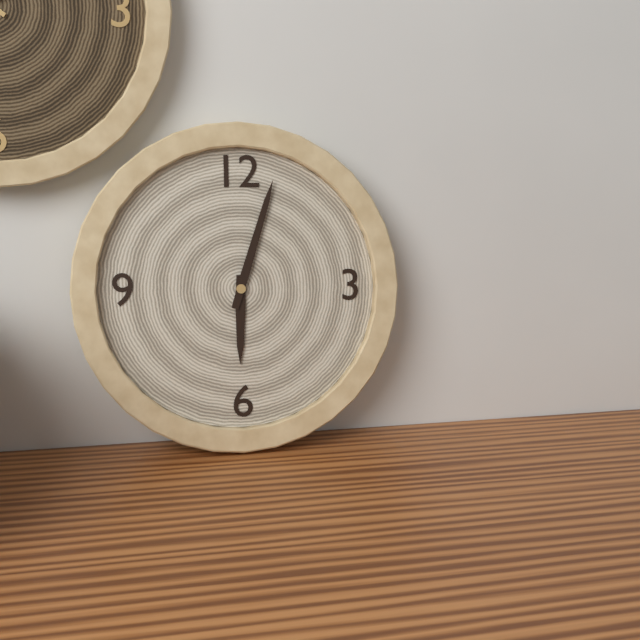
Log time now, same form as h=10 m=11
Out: h=6 m=3
